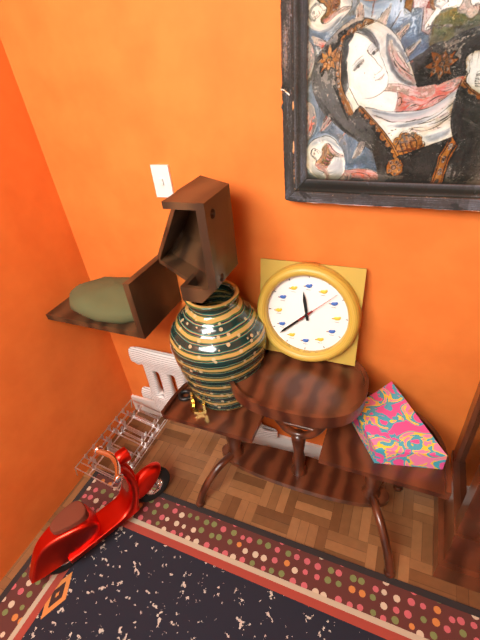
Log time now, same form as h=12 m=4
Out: h=11 m=38
